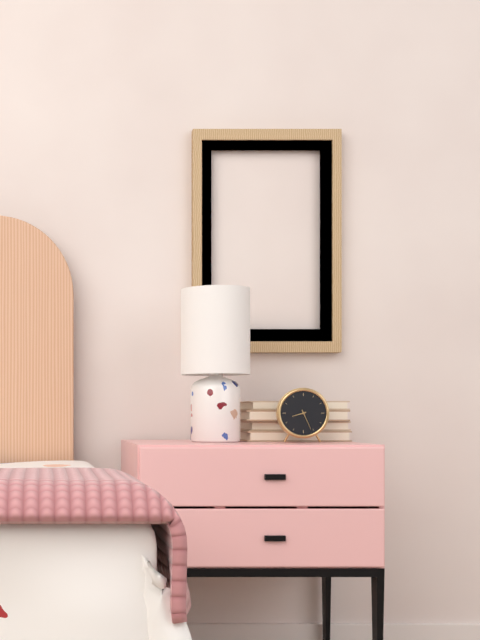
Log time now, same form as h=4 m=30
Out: h=8 m=26
